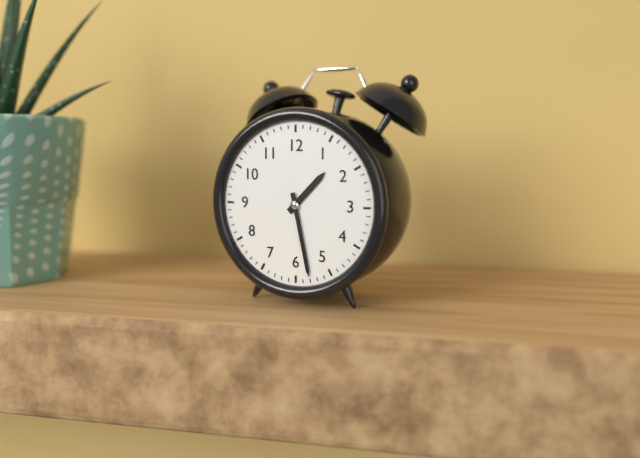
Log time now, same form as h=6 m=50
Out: h=1 m=28
